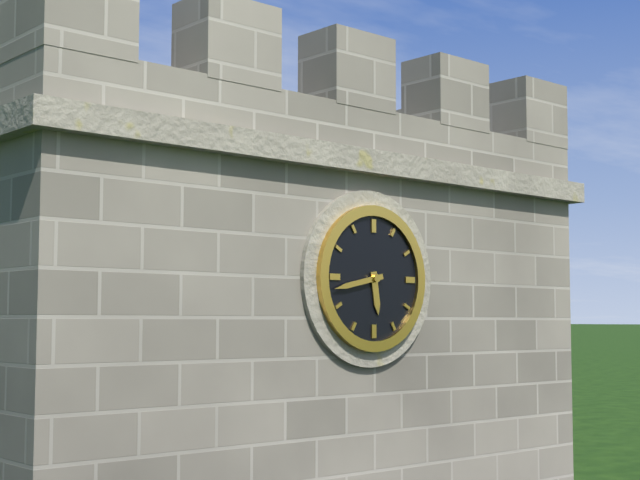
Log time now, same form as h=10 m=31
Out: h=5 m=43
